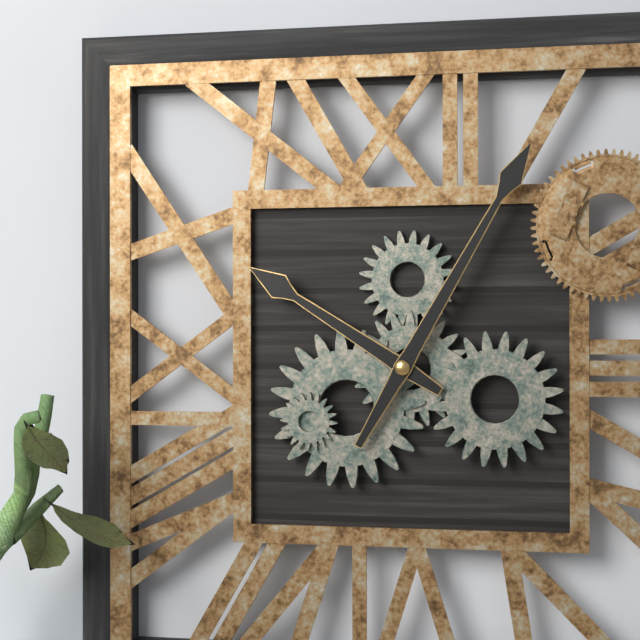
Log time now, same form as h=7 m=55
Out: h=10 m=5
